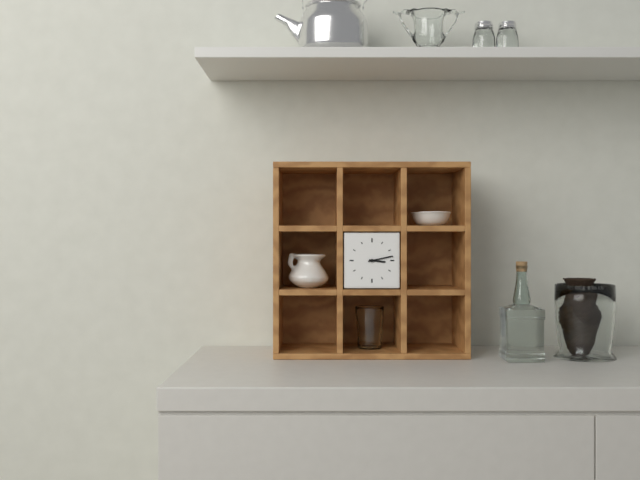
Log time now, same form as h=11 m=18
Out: h=3 m=13
